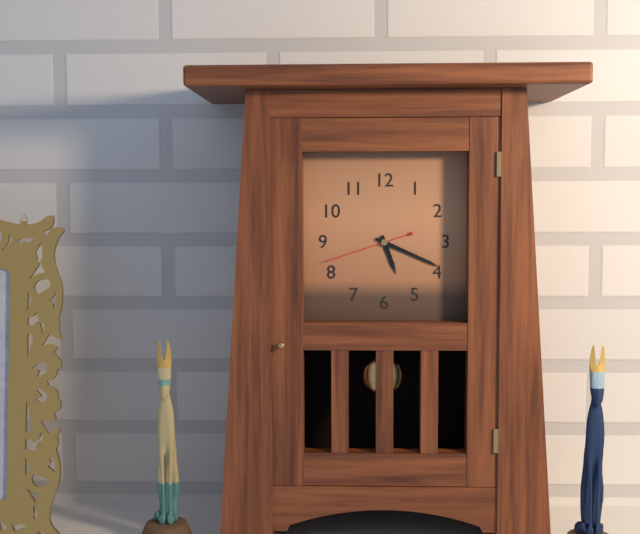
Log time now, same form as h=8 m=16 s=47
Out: h=5 m=19 s=42
